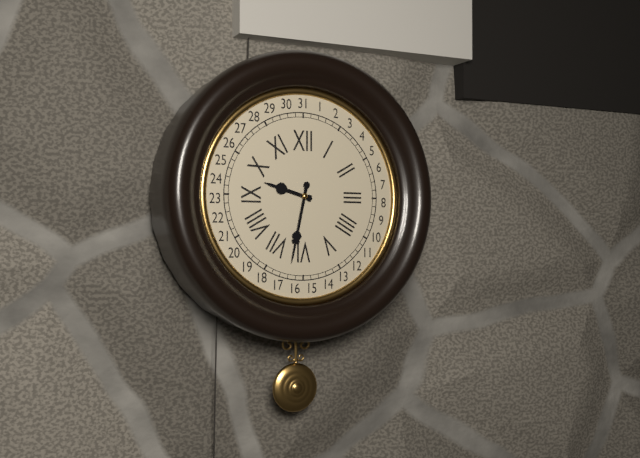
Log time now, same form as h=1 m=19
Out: h=9 m=32
